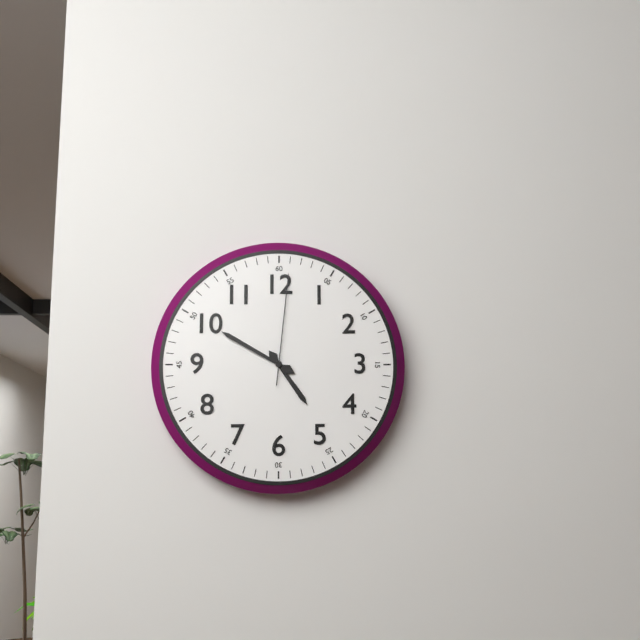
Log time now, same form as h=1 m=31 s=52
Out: h=4 m=50 s=1
